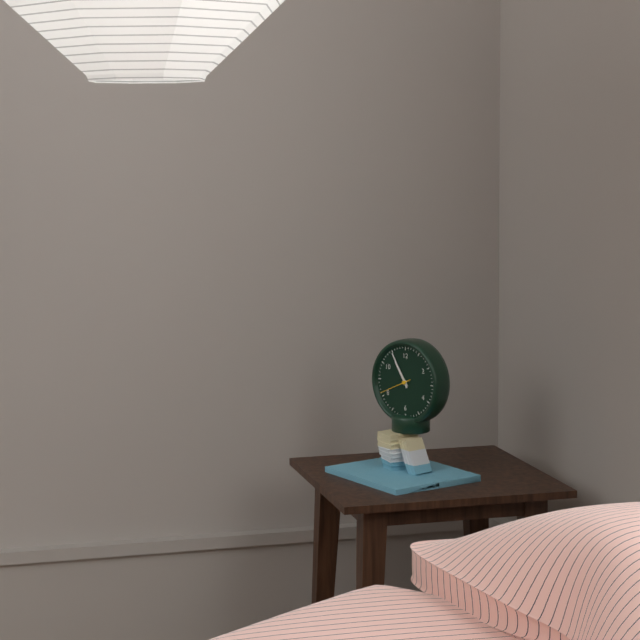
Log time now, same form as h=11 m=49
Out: h=10 m=55
